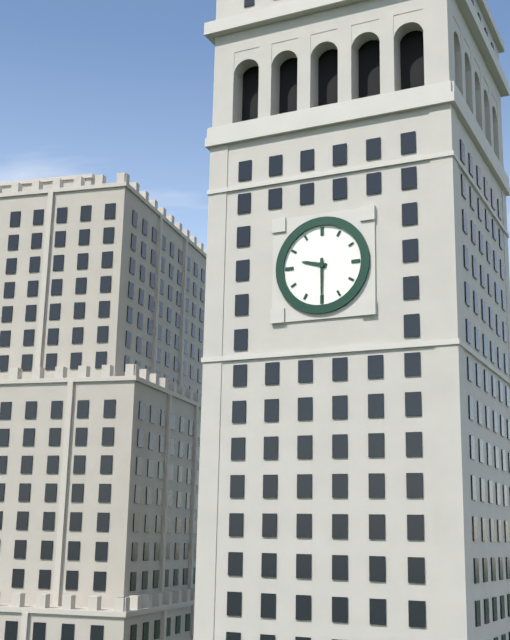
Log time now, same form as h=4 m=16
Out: h=9 m=30
